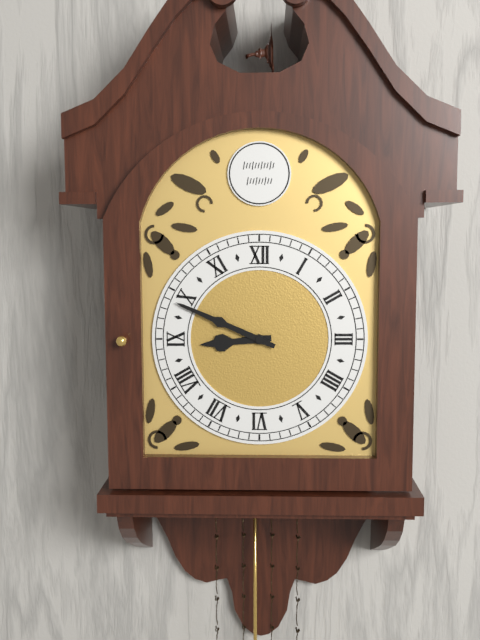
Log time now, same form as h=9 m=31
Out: h=8 m=49
